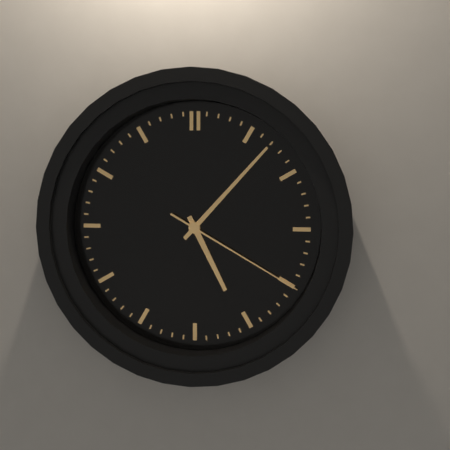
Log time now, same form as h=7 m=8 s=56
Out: h=5 m=7 s=20
